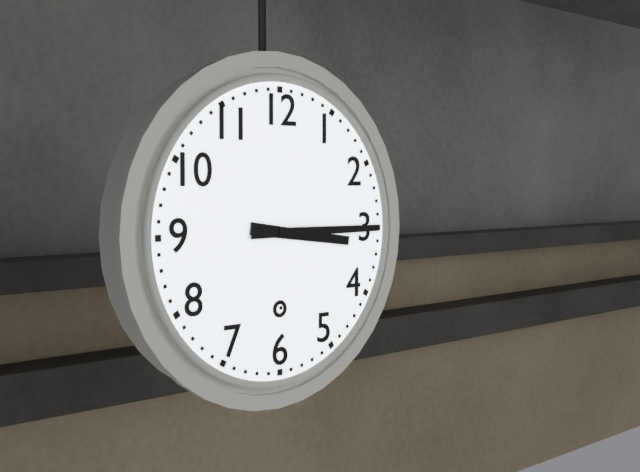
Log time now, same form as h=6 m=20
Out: h=3 m=15
